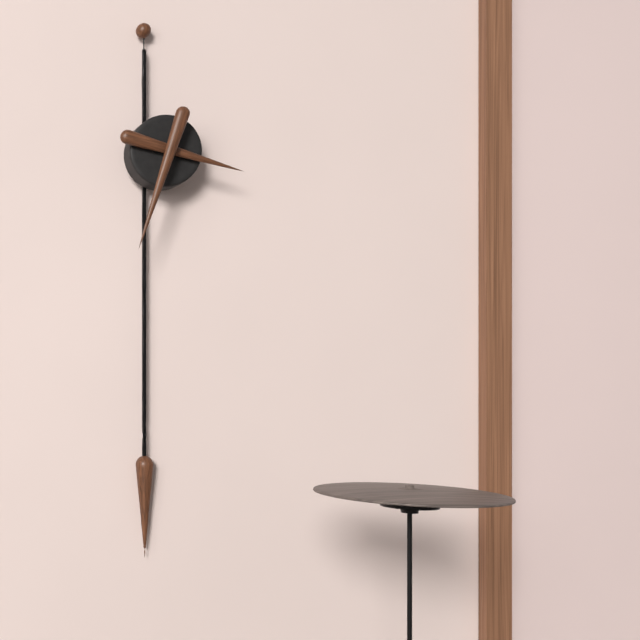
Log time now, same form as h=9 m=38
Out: h=3 m=33
